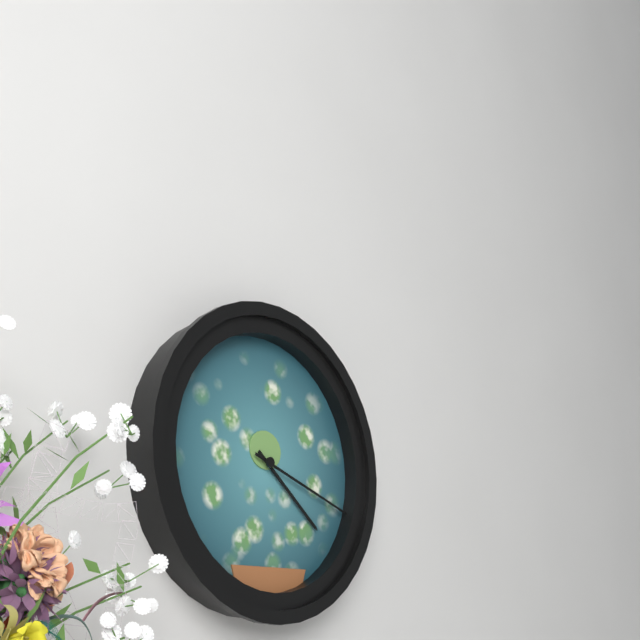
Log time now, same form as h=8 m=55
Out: h=4 m=18
